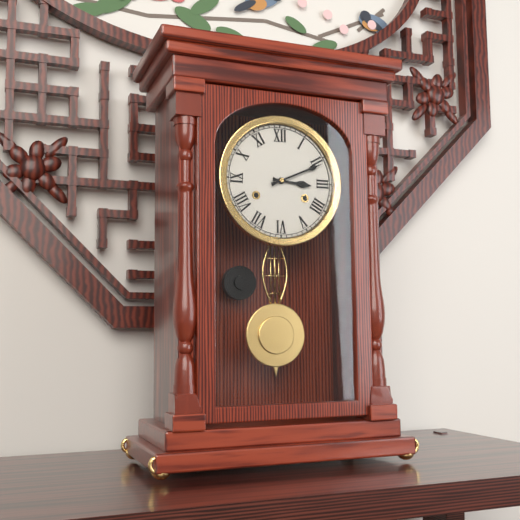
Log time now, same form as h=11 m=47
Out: h=3 m=11
